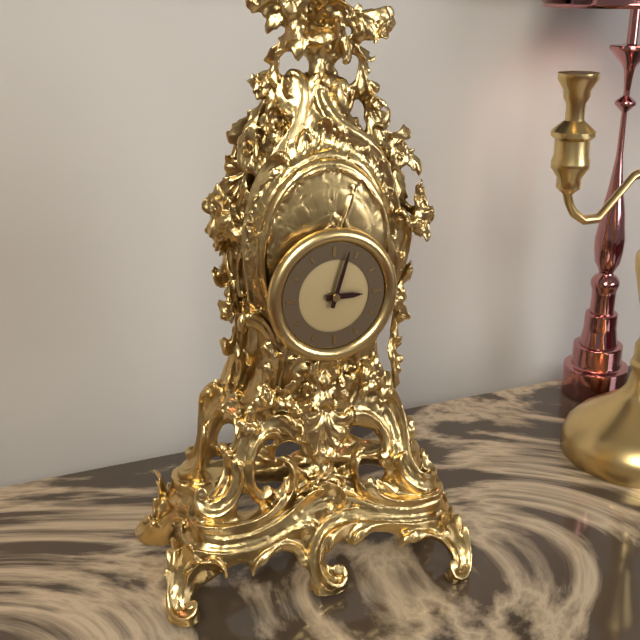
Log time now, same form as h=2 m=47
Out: h=3 m=3
